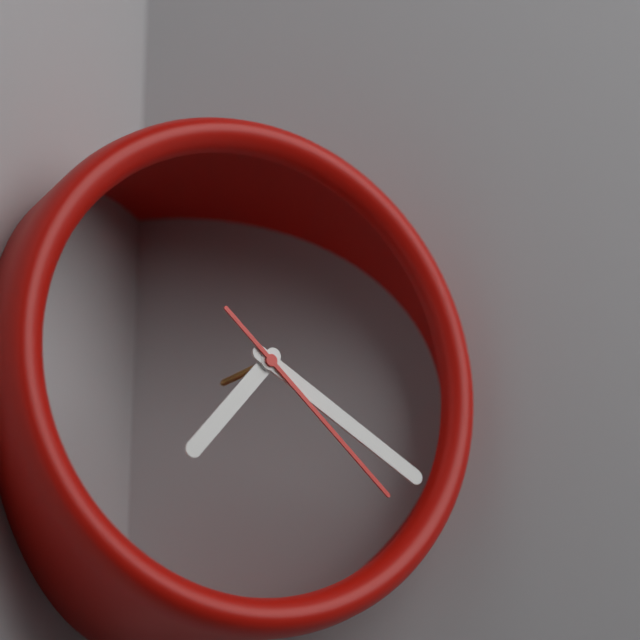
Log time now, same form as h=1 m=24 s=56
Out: h=7 m=20 s=22
